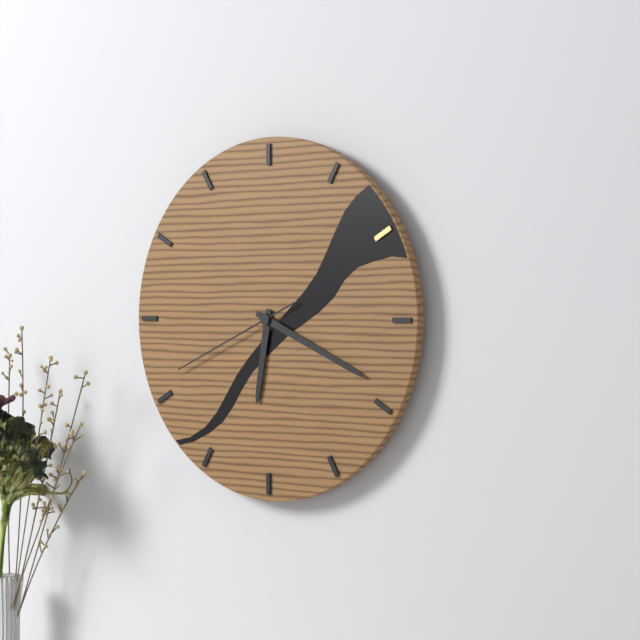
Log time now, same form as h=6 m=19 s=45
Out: h=6 m=19 s=41
